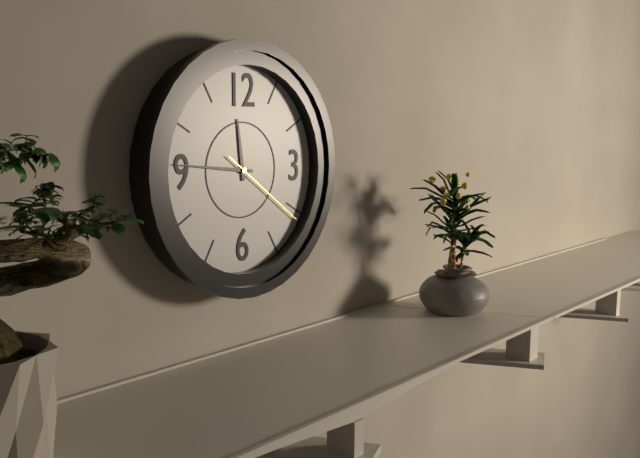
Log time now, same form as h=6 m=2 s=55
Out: h=11 m=46 s=21
